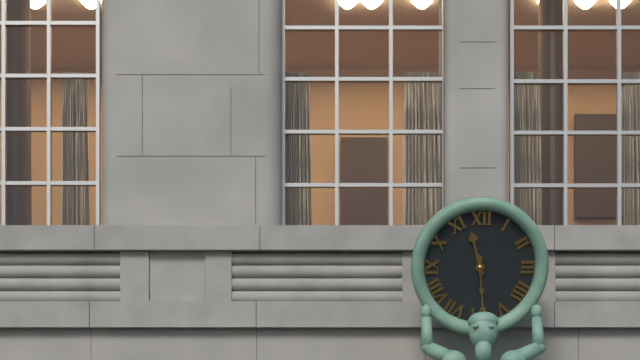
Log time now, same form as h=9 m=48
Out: h=11 m=29
